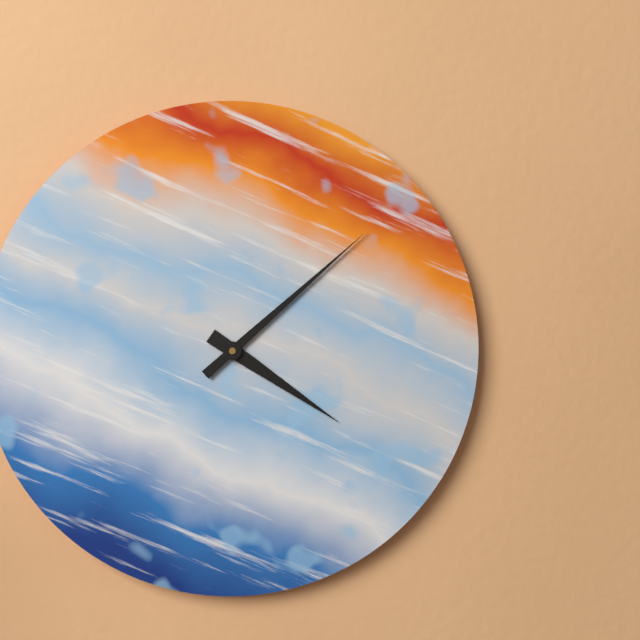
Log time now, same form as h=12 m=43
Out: h=4 m=8
